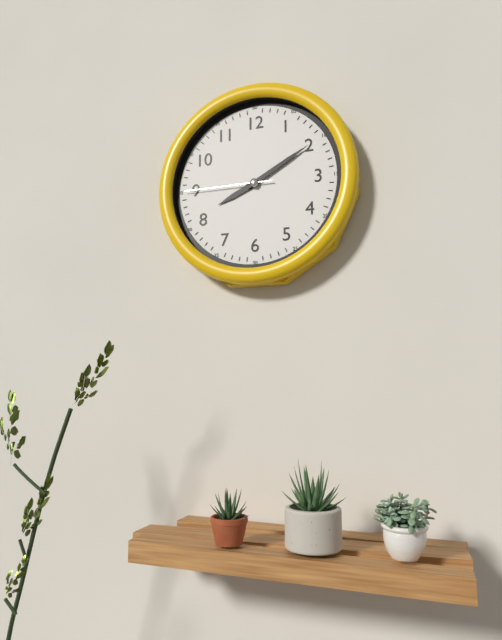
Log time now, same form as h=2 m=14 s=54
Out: h=8 m=10 s=45
